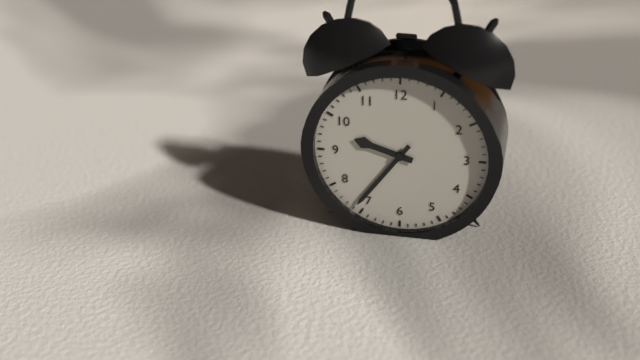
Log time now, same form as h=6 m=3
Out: h=9 m=36
